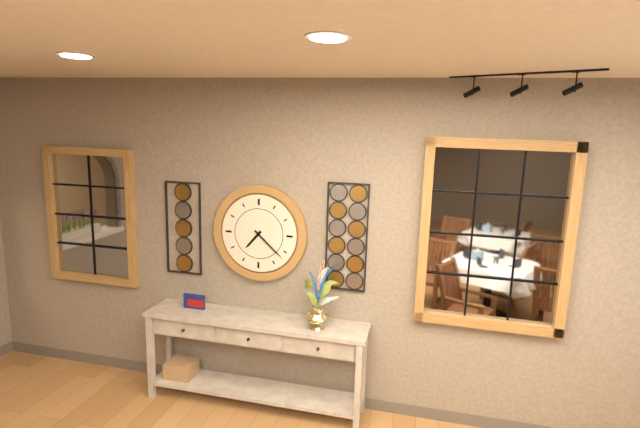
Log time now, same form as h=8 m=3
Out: h=7 m=22
